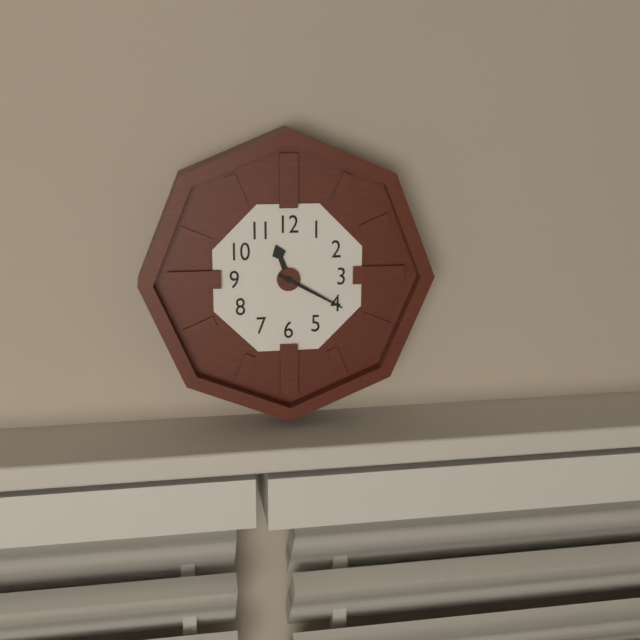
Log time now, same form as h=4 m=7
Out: h=11 m=20
